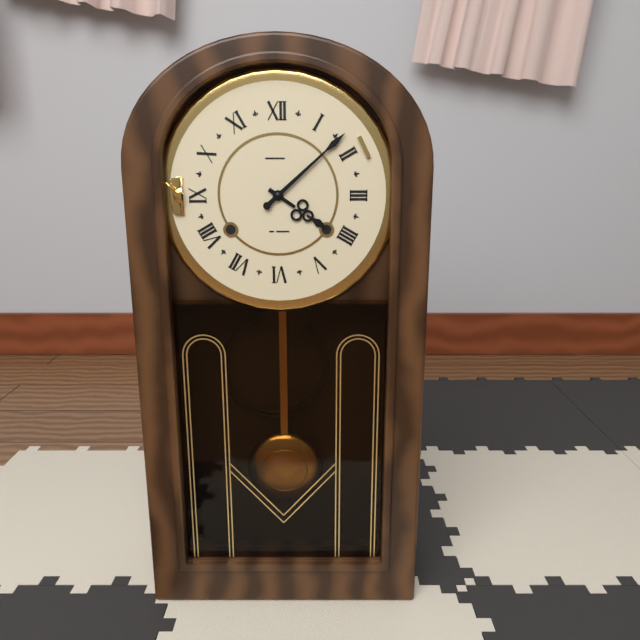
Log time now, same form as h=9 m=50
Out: h=4 m=8
